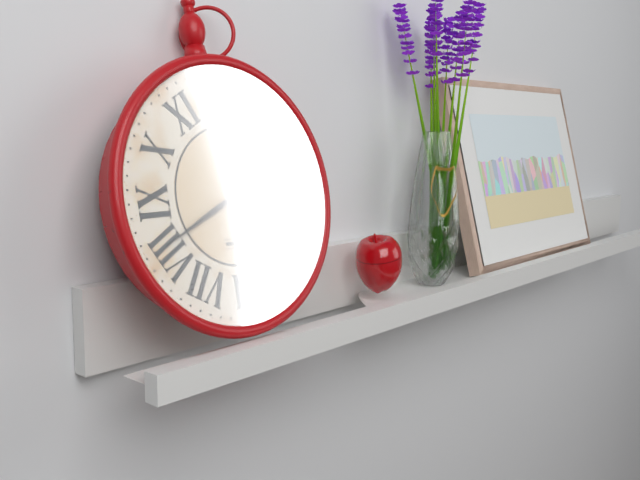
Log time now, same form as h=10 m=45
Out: h=12 m=41
